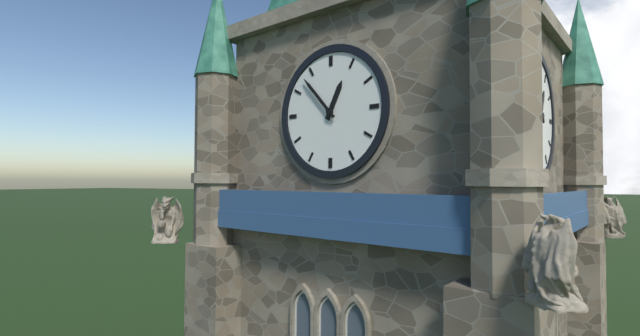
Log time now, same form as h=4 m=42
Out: h=12 m=53
